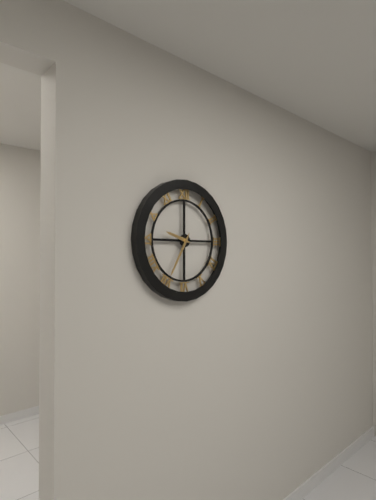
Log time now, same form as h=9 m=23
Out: h=9 m=35
